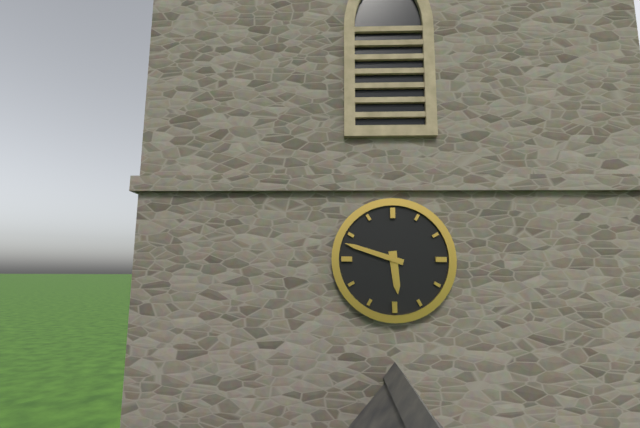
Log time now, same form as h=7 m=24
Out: h=5 m=48
